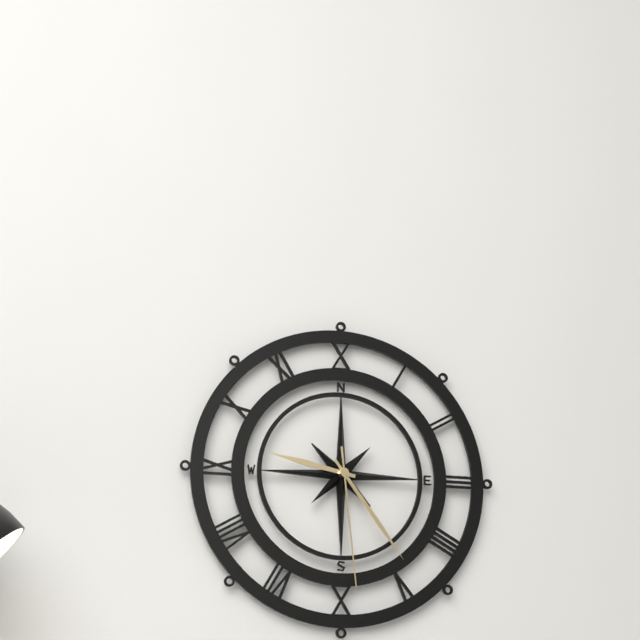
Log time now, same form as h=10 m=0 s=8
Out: h=9 m=24 s=29
